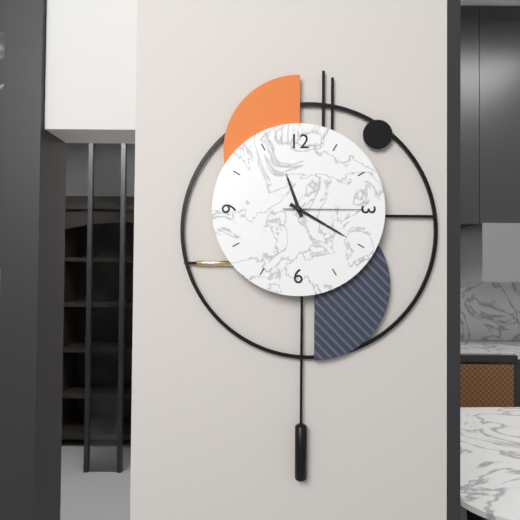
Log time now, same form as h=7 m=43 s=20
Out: h=11 m=20 s=15
